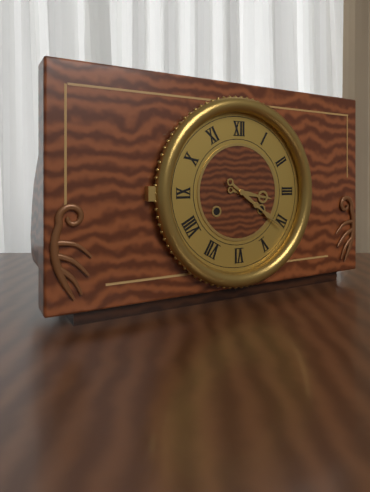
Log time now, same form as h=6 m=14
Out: h=3 m=21
